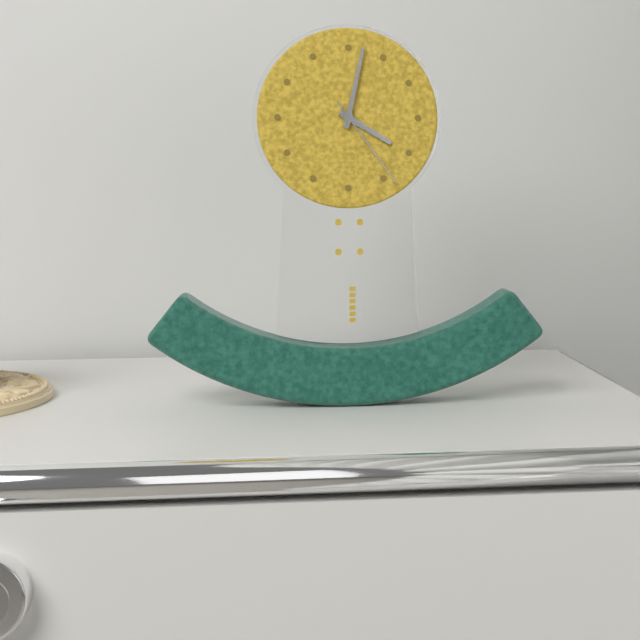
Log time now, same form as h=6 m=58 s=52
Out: h=4 m=2 s=24
